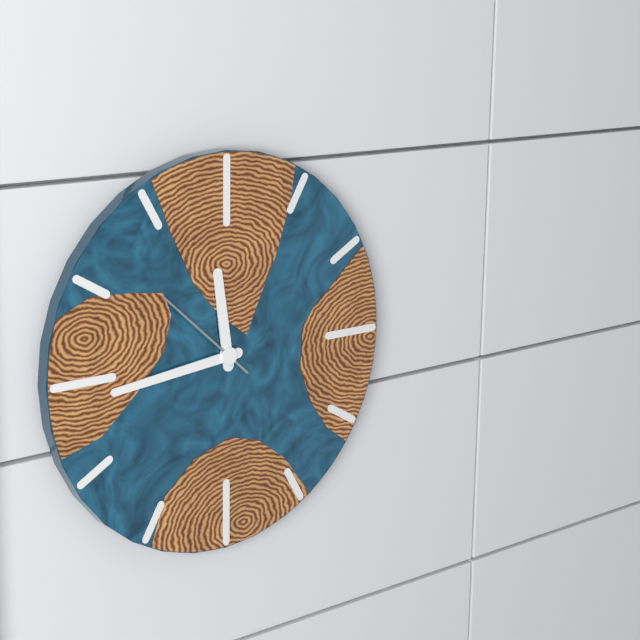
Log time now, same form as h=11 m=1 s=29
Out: h=11 m=44 s=52
